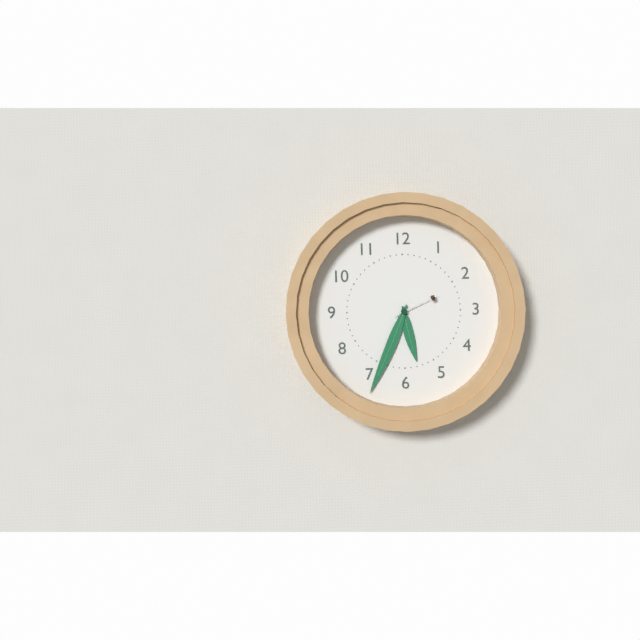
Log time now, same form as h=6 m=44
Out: h=5 m=34
